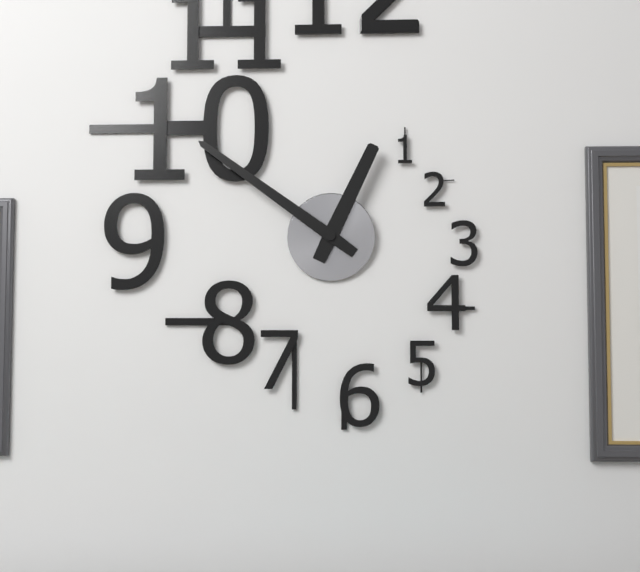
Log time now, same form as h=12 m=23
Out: h=12 m=51
